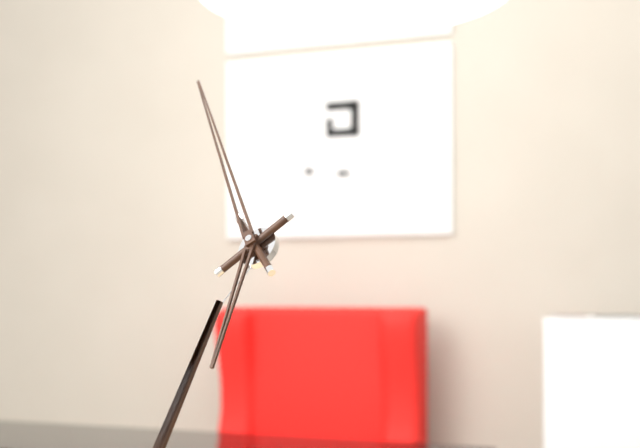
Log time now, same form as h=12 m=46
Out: h=5 m=54
